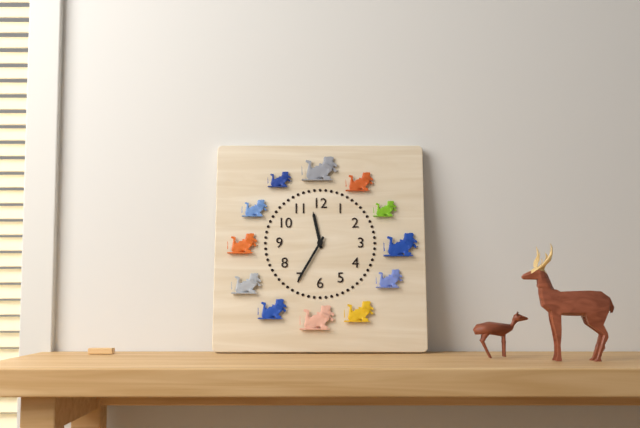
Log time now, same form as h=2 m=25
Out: h=11 m=35
